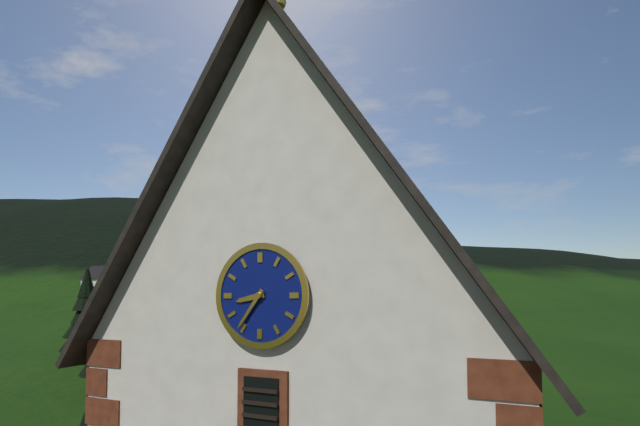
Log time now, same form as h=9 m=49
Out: h=8 m=36
